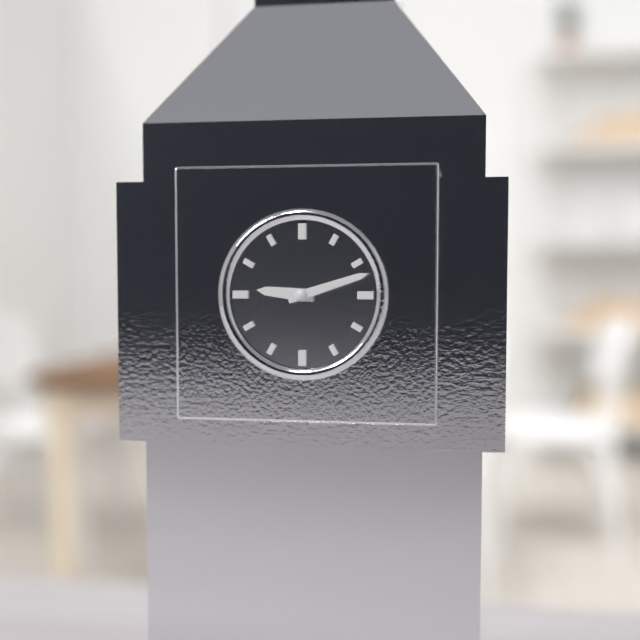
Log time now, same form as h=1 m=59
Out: h=9 m=12
